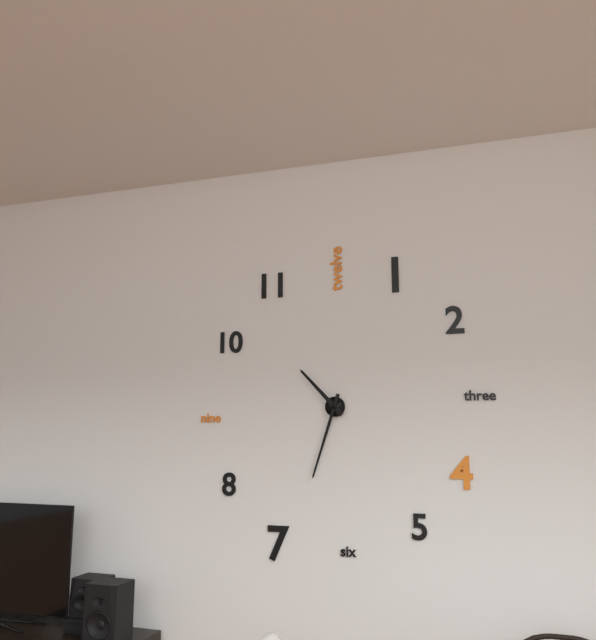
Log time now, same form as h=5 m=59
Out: h=10 m=33
